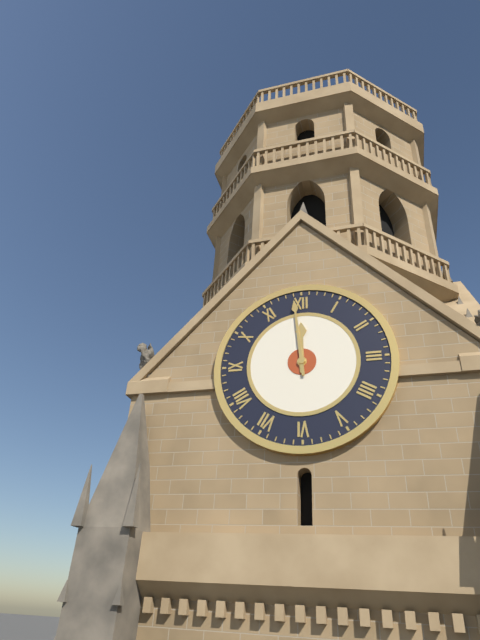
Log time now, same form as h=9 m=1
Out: h=11 m=59
